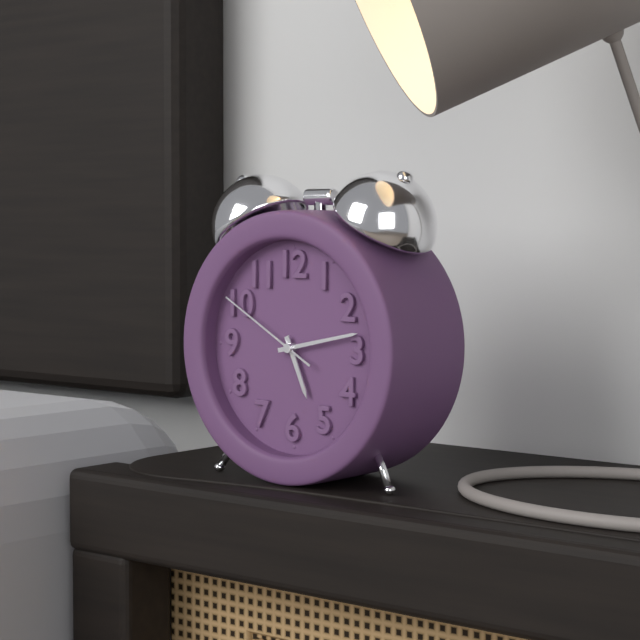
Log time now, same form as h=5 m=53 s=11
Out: h=5 m=13 s=50
